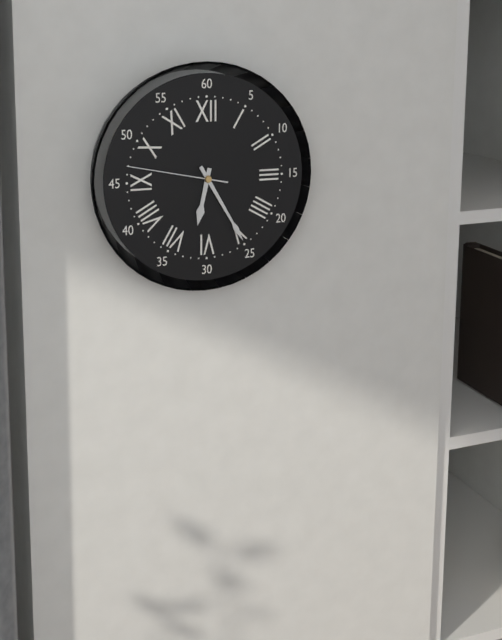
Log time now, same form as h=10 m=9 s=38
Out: h=6 m=25 s=47
